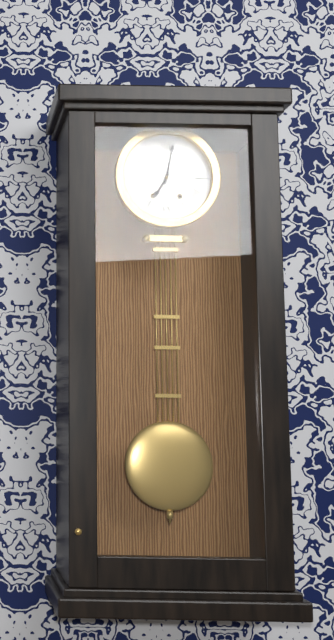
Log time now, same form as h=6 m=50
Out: h=7 m=2
